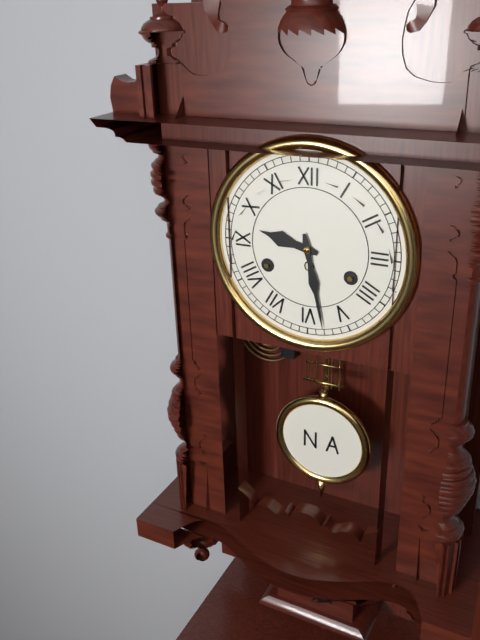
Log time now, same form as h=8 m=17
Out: h=9 m=28
